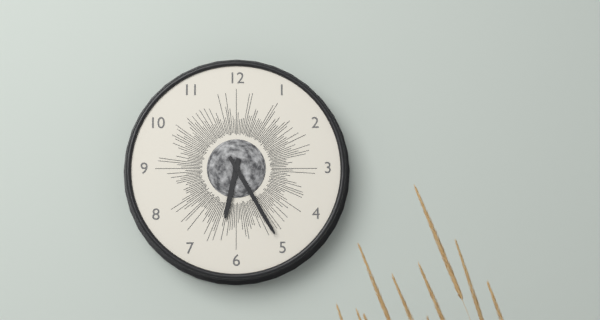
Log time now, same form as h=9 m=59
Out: h=6 m=25
